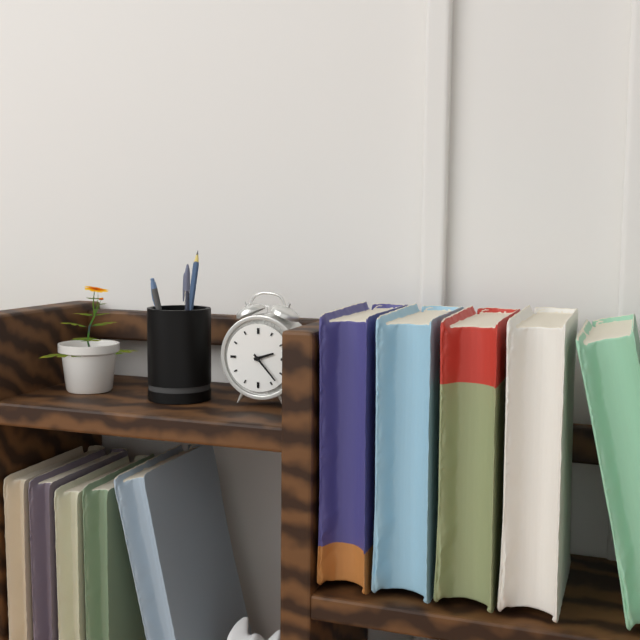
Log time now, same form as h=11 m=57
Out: h=2 m=23
